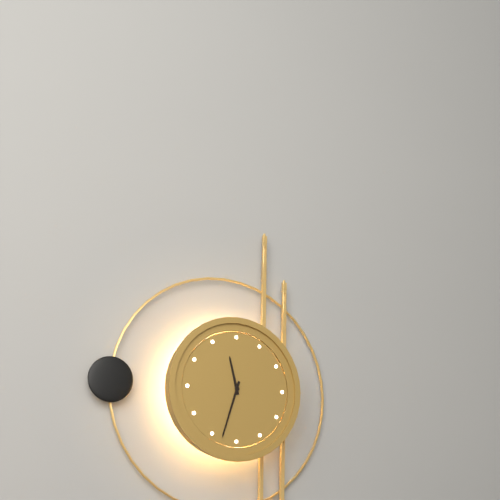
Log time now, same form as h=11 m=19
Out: h=11 m=33
